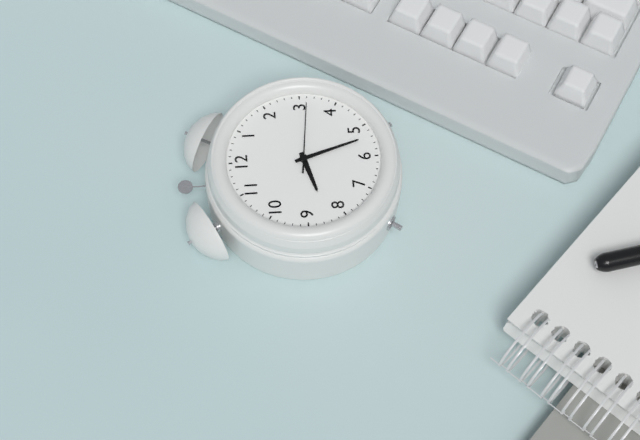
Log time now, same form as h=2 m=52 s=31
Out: h=8 m=27 s=16
